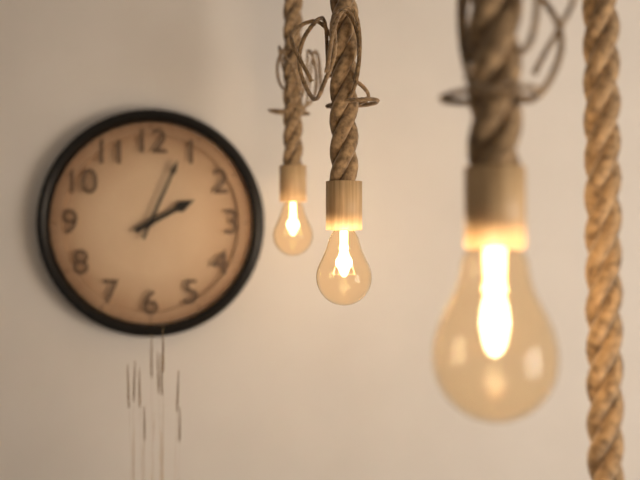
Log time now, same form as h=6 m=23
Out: h=2 m=4
